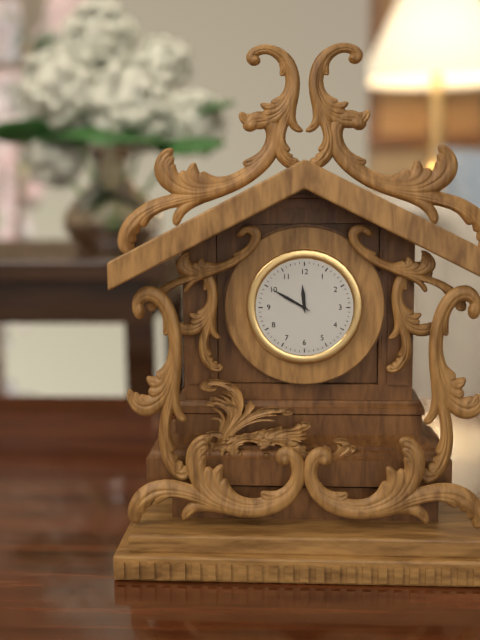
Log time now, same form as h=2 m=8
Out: h=11 m=50
